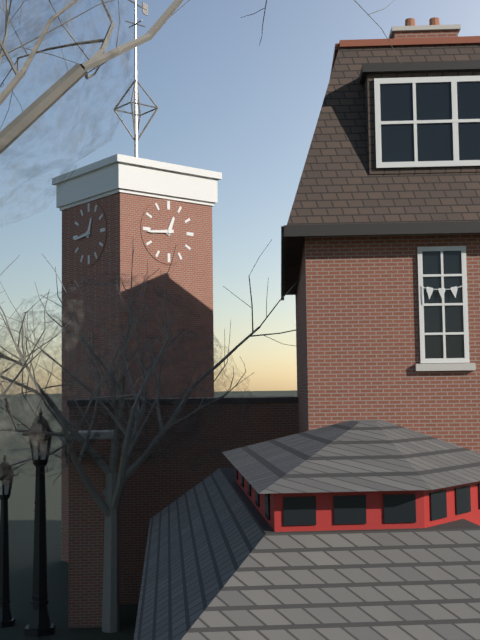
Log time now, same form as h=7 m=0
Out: h=12 m=44
